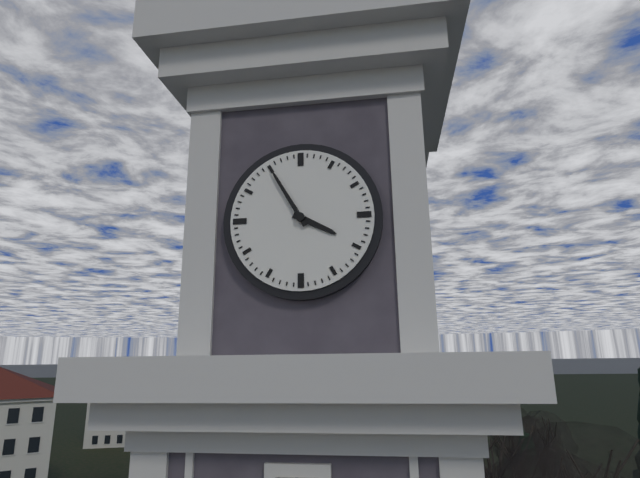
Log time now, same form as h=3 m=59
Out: h=3 m=55
